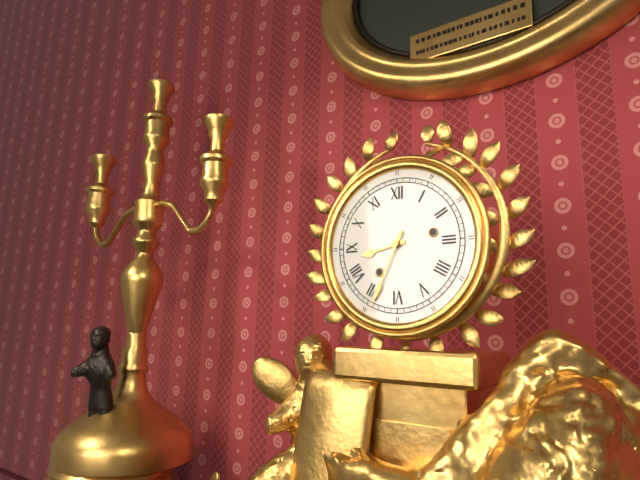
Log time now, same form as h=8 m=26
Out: h=8 m=34
